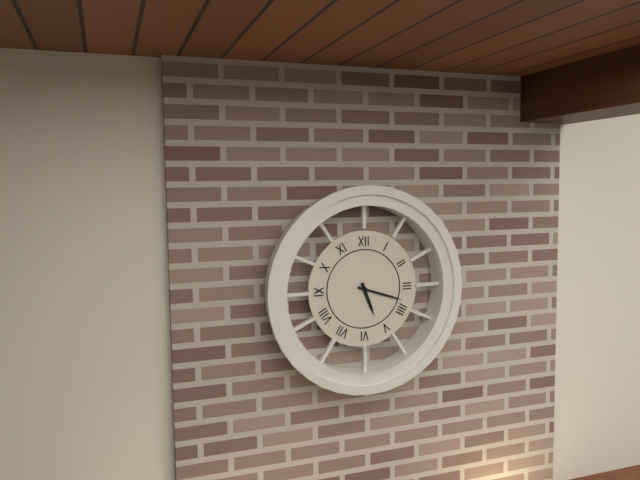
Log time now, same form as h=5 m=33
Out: h=5 m=18
